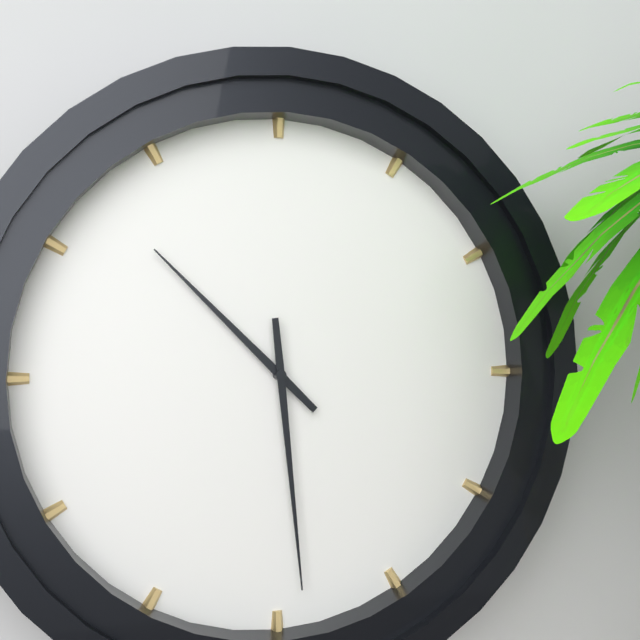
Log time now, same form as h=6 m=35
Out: h=10 m=29
